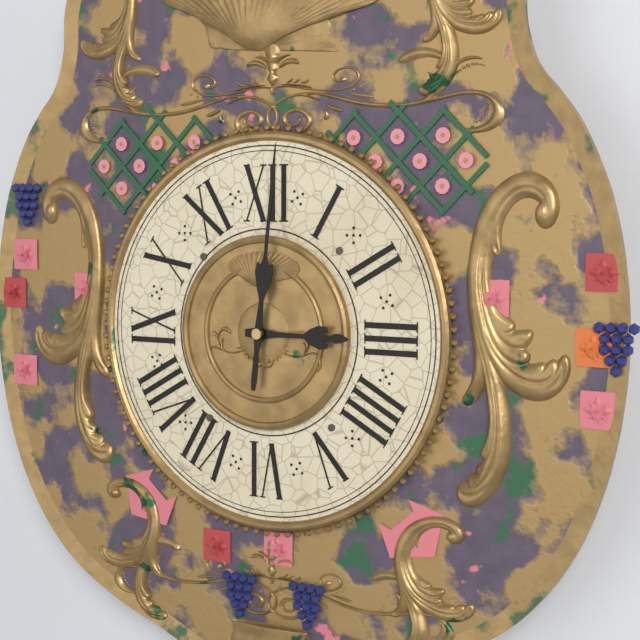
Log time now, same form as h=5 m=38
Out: h=3 m=1
